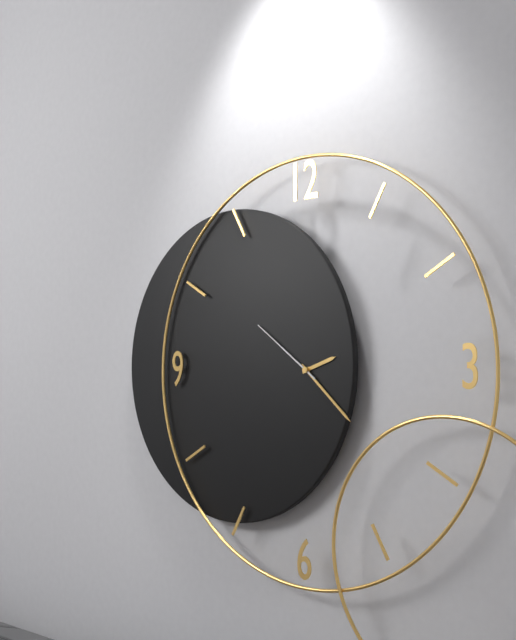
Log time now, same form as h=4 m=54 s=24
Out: h=2 m=22 s=51
